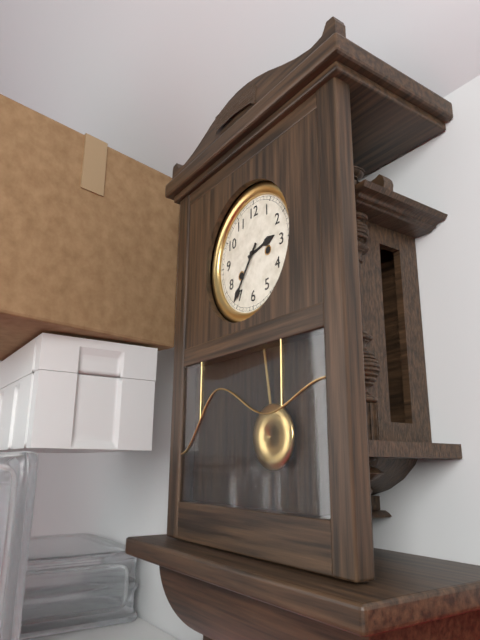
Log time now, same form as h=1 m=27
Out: h=2 m=36
